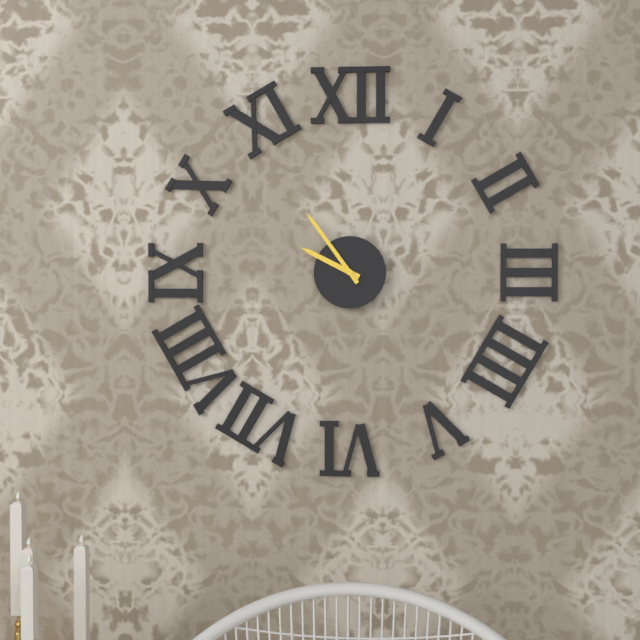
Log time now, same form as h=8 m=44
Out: h=9 m=54
